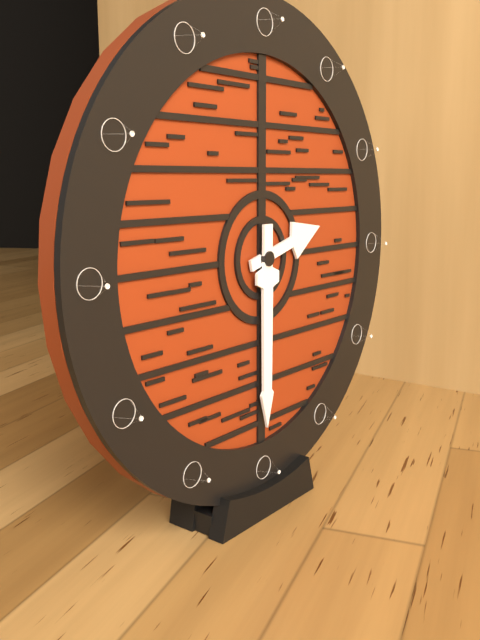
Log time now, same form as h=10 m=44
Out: h=2 m=30
